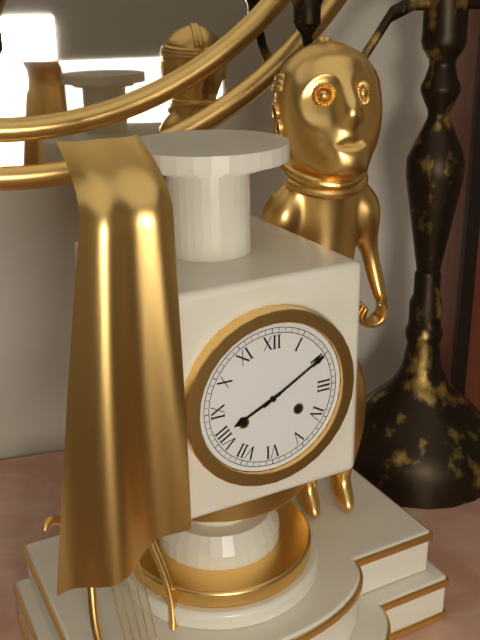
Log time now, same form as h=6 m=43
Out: h=8 m=10
